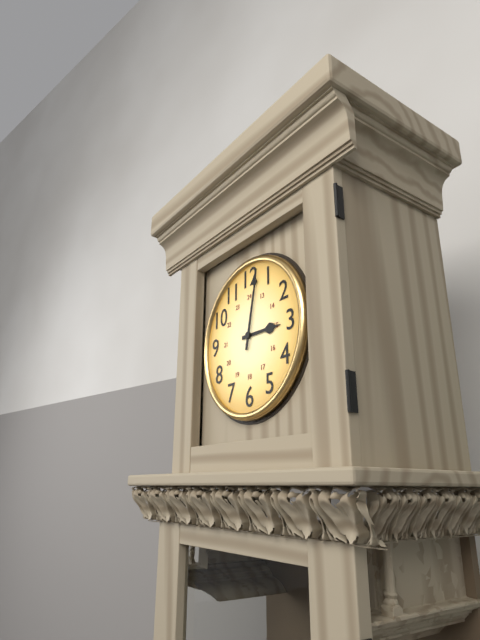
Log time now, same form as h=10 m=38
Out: h=3 m=2
